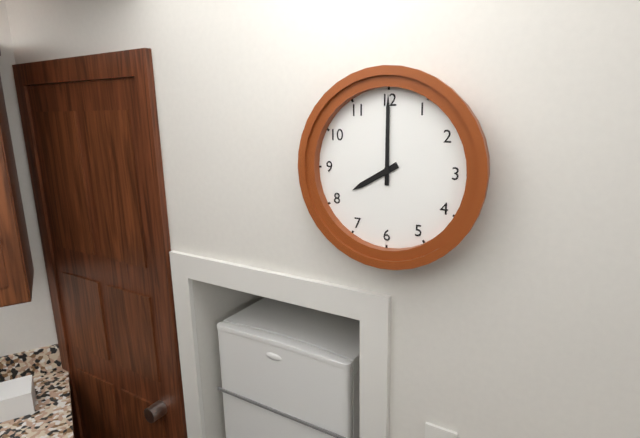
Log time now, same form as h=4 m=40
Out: h=8 m=0
